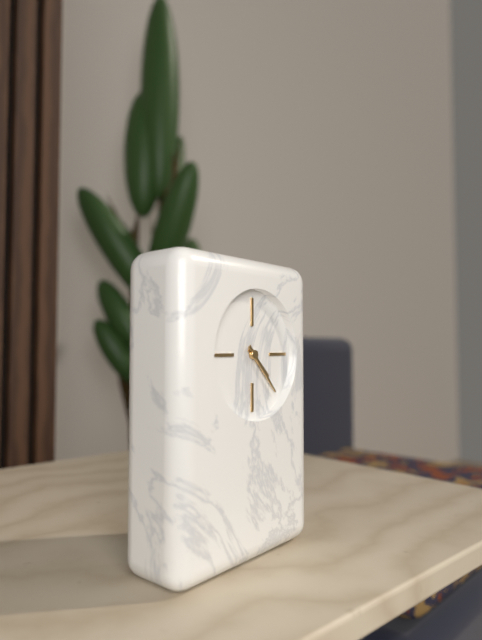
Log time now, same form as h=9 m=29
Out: h=4 m=23
